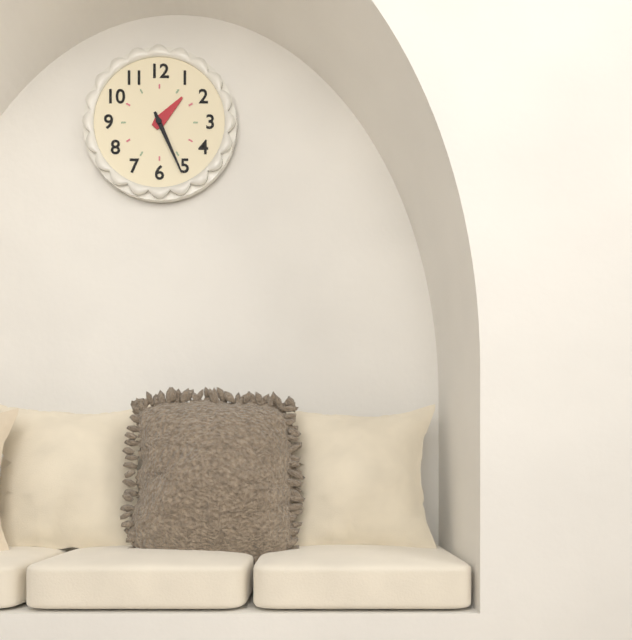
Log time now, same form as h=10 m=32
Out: h=1 m=26
